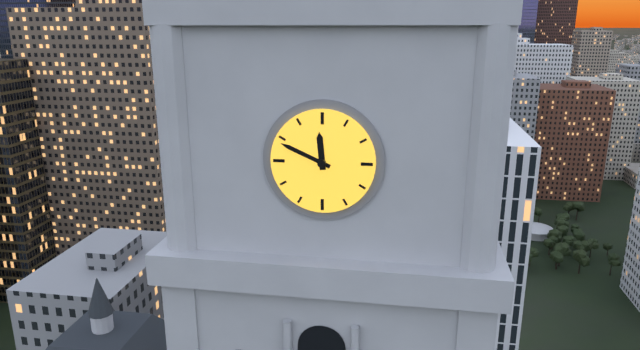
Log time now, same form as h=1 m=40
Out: h=11 m=49
